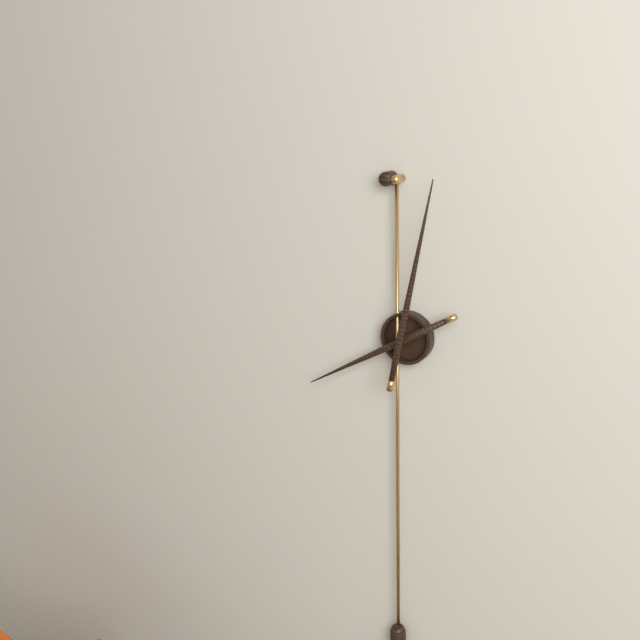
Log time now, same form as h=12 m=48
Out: h=8 m=2
